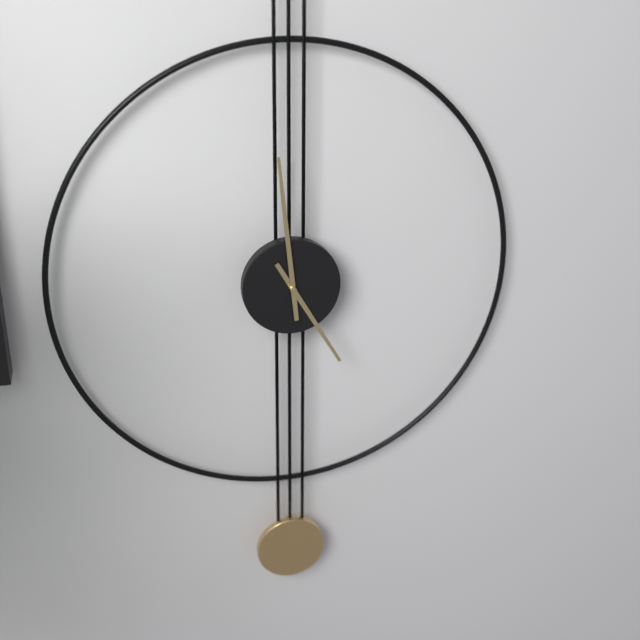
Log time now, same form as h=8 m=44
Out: h=4 m=59
